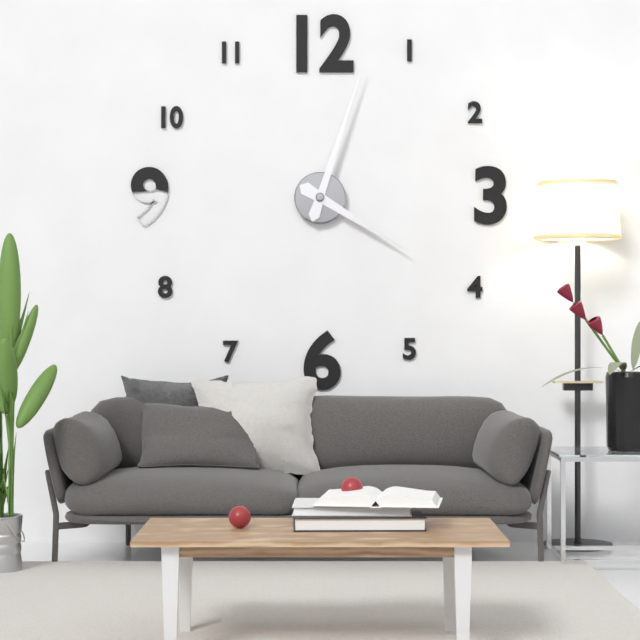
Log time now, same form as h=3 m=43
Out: h=4 m=3
